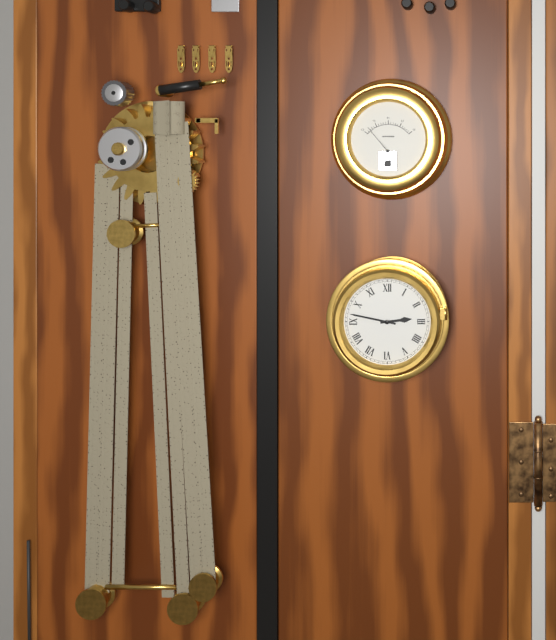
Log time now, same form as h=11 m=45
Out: h=2 m=47
